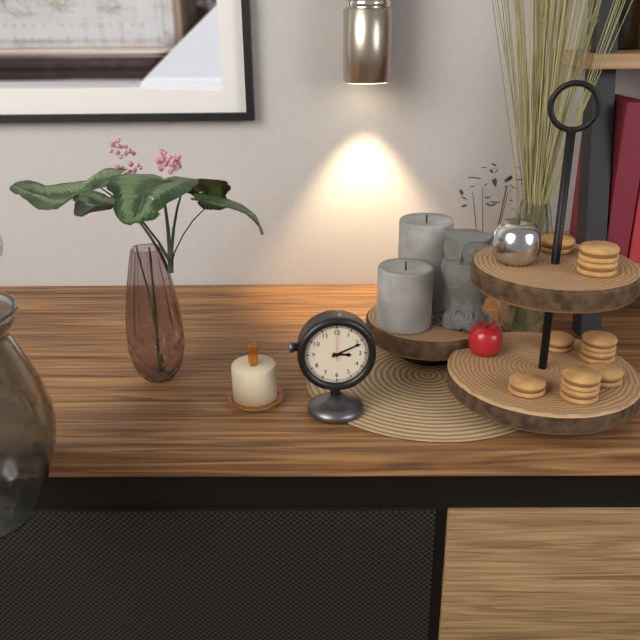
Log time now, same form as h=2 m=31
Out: h=3 m=11
